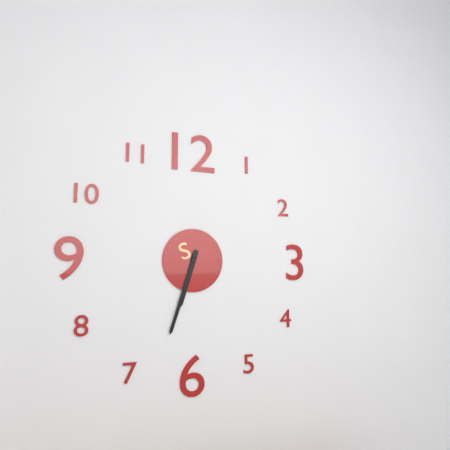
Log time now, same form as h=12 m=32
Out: h=6 m=33
